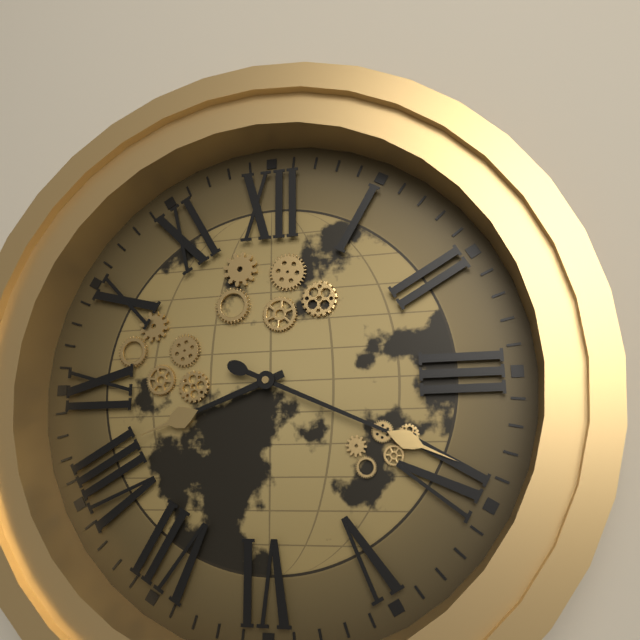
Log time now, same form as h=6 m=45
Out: h=8 m=19
